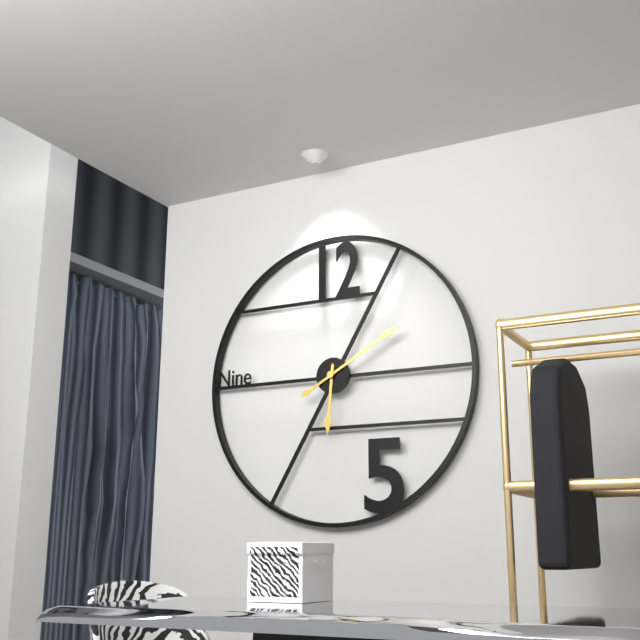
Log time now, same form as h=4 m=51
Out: h=6 m=10
